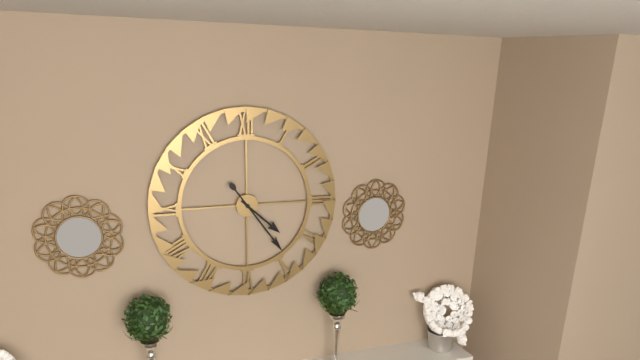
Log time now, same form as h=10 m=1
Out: h=4 m=24
